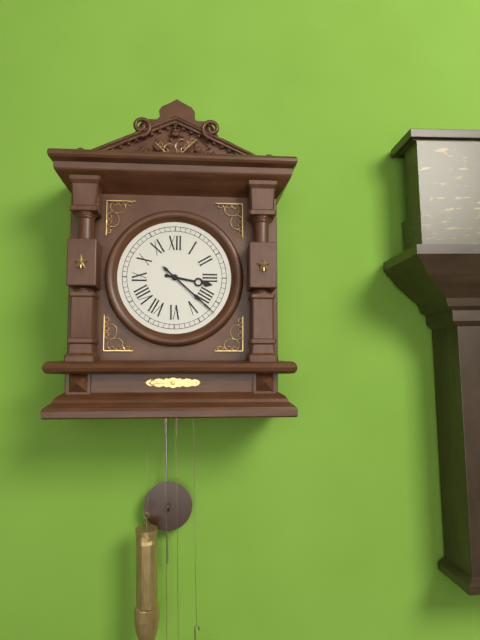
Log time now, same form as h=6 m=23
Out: h=3 m=22
